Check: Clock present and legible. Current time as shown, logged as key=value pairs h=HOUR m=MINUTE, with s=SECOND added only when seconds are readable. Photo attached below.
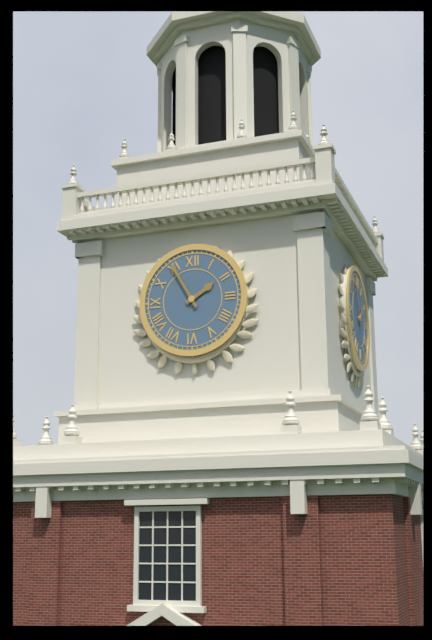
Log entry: h=1 m=55
